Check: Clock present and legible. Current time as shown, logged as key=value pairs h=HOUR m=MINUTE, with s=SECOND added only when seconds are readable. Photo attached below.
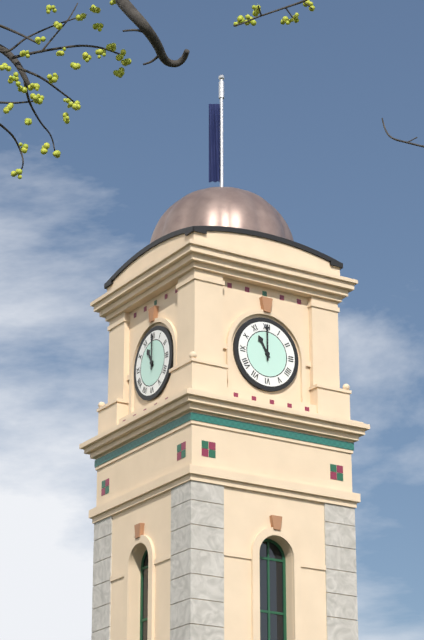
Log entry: h=11 m=0
